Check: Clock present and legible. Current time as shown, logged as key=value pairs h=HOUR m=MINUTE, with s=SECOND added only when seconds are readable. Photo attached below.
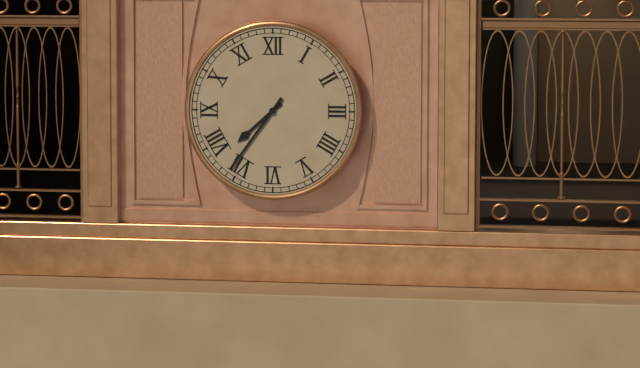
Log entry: h=7 m=36
